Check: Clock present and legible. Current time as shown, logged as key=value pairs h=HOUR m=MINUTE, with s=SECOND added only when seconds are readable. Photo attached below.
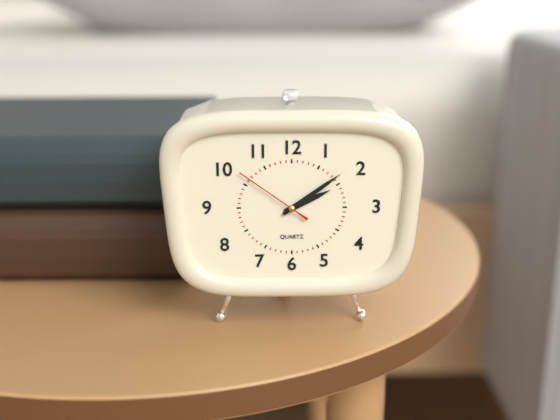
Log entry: h=2 m=9 s=51
